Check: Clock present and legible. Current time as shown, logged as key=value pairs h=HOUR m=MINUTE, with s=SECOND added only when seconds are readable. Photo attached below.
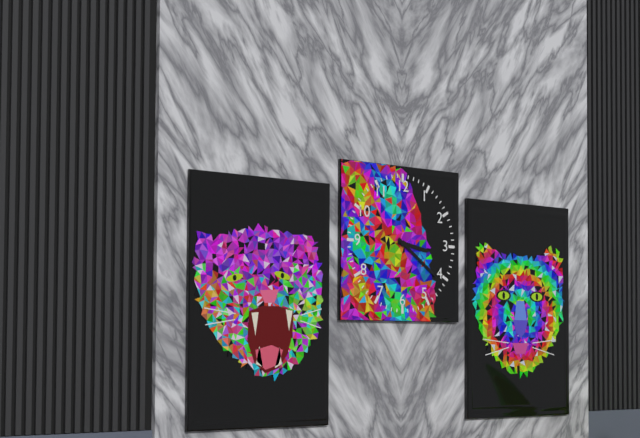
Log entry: h=3 m=21
